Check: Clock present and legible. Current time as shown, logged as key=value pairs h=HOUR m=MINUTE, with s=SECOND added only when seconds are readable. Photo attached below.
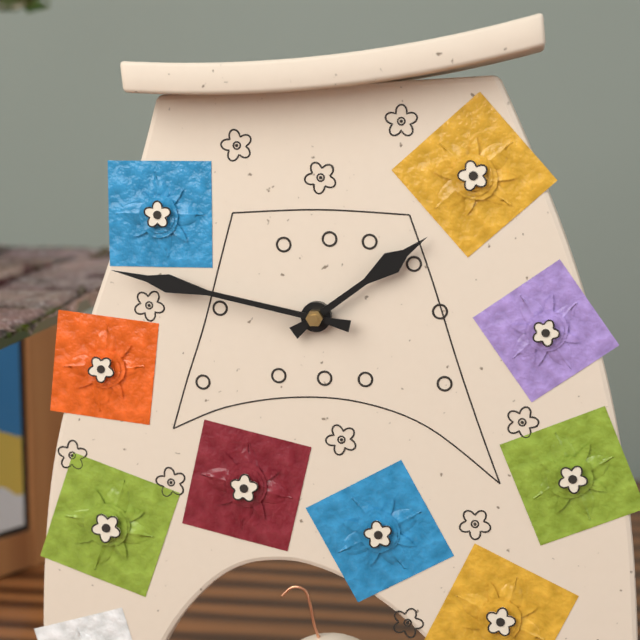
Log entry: h=1 m=47
